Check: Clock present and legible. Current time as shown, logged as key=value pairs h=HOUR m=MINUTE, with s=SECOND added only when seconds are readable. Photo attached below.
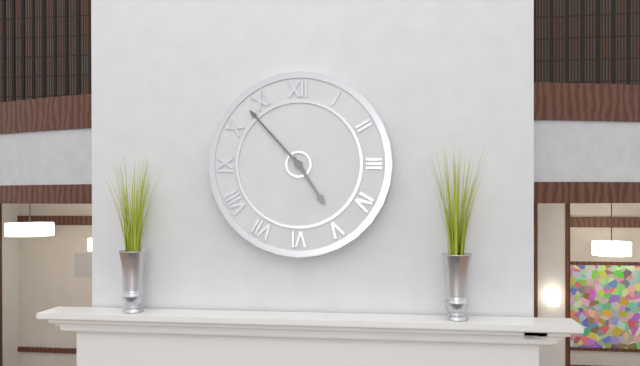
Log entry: h=4 m=53
